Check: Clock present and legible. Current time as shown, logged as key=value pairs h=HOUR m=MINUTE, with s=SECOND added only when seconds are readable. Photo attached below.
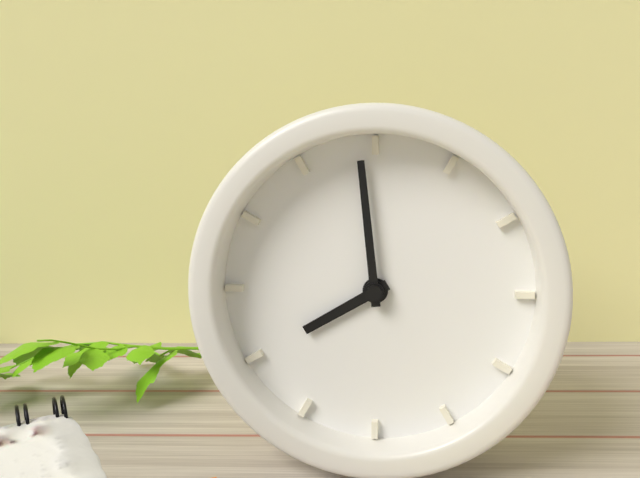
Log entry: h=7 m=59
